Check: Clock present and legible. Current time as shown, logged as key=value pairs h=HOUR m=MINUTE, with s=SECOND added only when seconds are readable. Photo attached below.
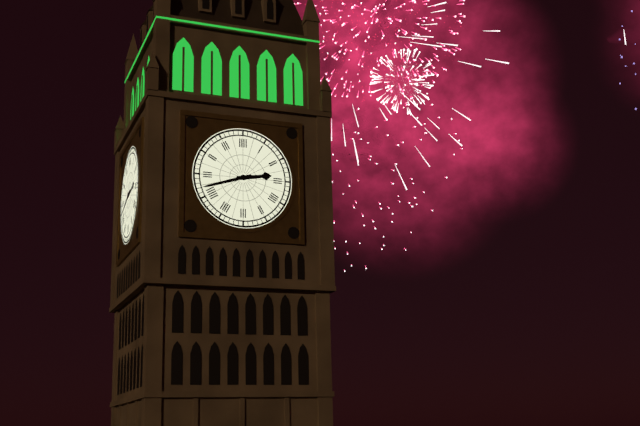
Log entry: h=2 m=42
